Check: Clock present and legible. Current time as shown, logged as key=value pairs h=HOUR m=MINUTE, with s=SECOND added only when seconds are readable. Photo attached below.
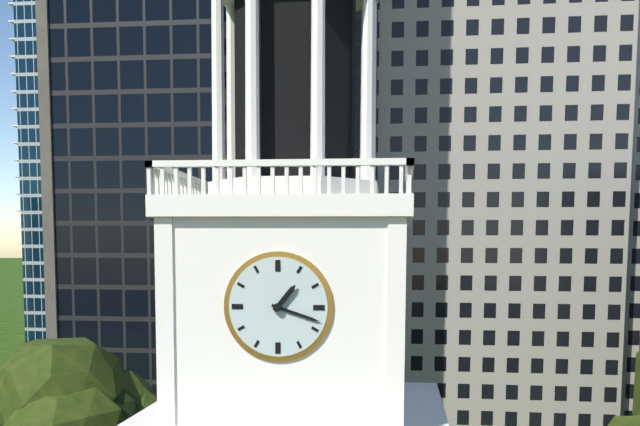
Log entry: h=1 m=18
